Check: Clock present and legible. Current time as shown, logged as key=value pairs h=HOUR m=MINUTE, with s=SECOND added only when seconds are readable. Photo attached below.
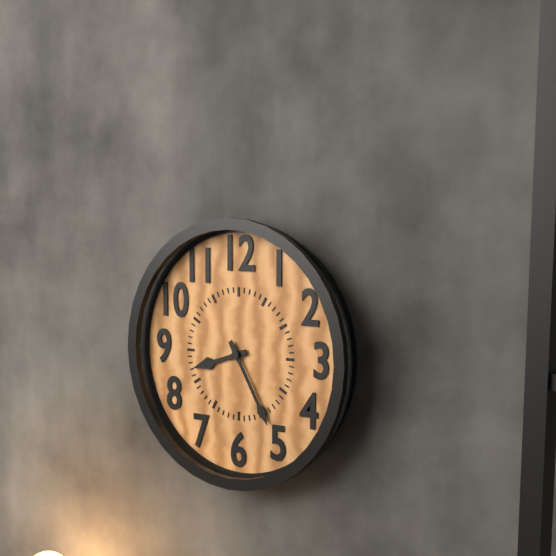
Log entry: h=8 m=25
